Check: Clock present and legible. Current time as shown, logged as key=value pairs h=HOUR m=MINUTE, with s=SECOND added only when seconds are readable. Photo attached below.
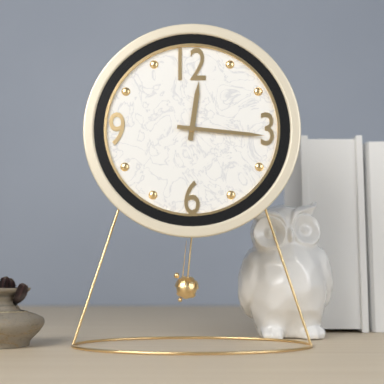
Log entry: h=12 m=16
